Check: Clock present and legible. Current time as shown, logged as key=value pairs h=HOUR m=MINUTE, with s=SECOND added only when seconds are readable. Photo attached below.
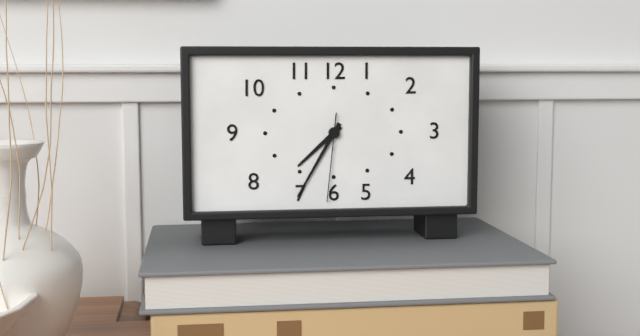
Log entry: h=7 m=35 s=31
